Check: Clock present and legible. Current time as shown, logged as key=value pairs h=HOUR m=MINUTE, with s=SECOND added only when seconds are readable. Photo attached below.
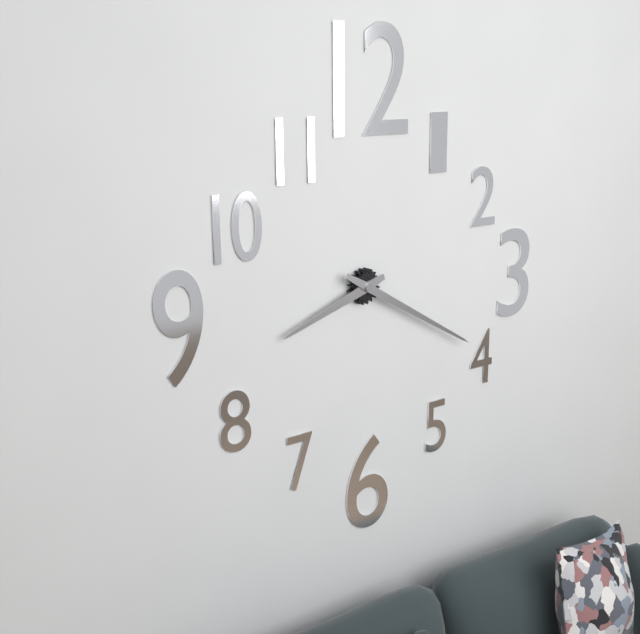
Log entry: h=8 m=20
